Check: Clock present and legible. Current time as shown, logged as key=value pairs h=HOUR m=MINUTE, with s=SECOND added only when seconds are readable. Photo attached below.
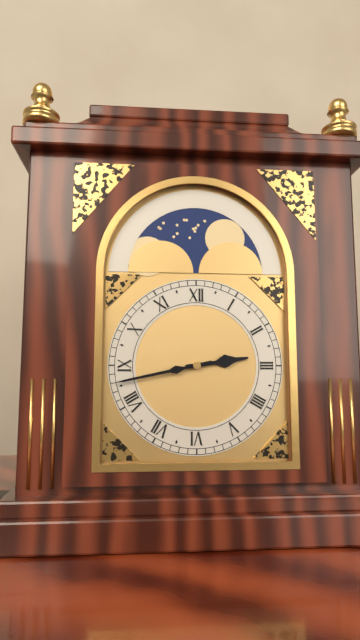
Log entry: h=2 m=43
